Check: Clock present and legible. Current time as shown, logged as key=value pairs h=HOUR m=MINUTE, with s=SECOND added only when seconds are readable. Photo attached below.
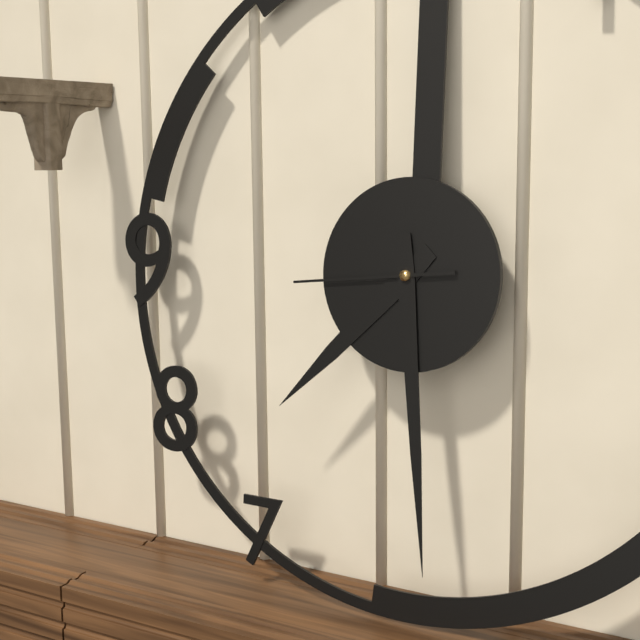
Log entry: h=7 m=29 s=44
